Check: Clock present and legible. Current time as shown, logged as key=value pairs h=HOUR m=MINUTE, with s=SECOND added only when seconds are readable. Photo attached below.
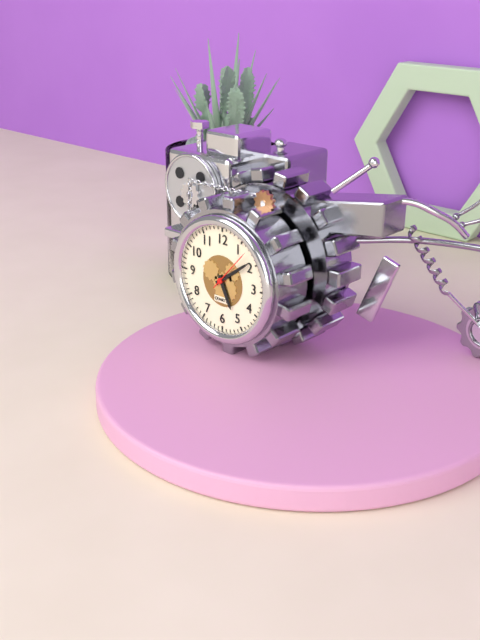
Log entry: h=5 m=9
